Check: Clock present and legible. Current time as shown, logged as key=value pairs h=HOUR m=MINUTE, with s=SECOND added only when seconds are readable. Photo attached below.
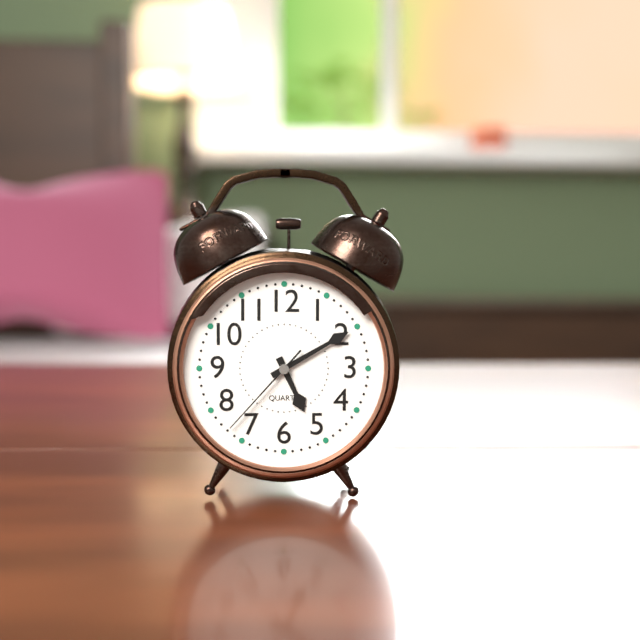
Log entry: h=5 m=10 s=37
